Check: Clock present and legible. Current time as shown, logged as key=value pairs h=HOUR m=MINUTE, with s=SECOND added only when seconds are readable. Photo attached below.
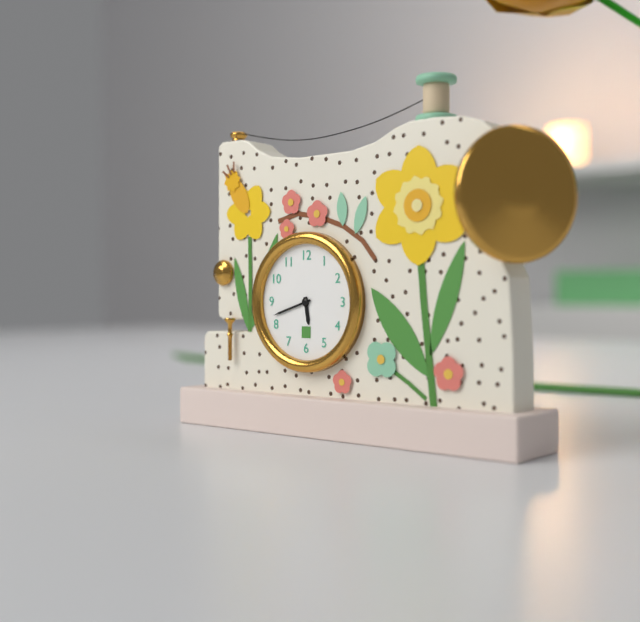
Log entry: h=5 m=42
